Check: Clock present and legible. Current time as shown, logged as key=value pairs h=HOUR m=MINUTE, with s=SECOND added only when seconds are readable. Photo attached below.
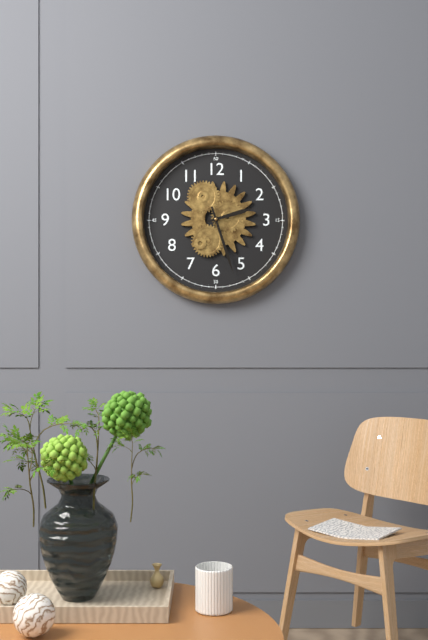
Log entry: h=2 m=27
